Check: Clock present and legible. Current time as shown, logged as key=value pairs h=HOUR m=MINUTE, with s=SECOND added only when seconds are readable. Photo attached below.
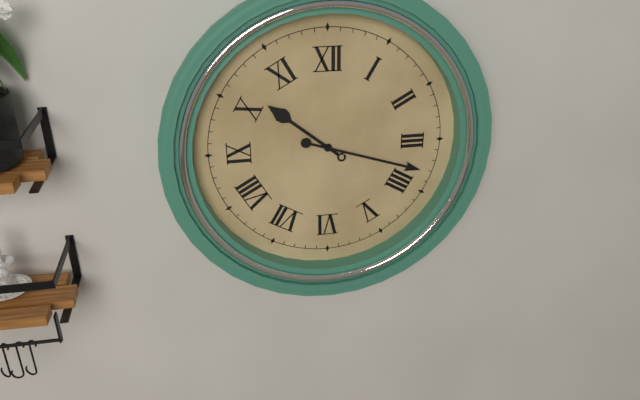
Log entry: h=10 m=18
